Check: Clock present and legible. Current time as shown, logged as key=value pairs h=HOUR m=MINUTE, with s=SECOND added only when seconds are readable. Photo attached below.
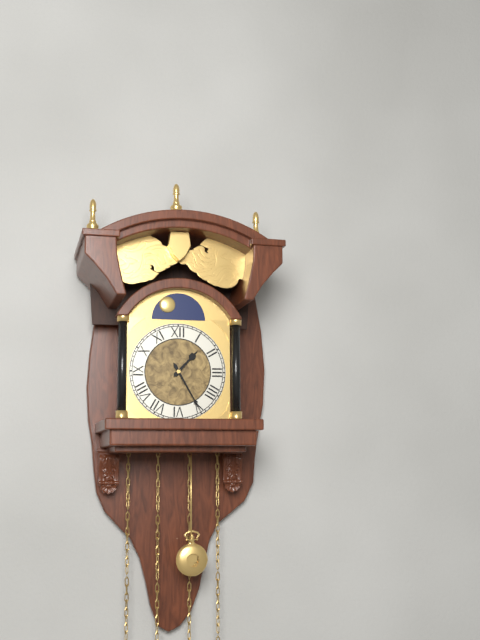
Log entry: h=1 m=25
